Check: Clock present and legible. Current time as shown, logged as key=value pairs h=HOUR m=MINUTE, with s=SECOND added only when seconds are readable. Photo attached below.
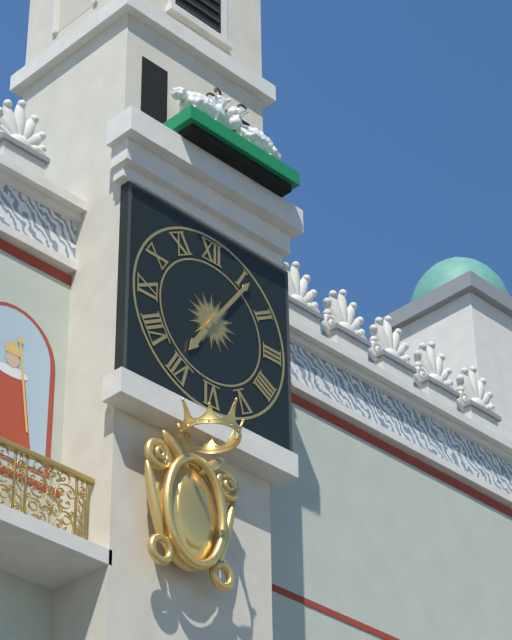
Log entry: h=7 m=6
